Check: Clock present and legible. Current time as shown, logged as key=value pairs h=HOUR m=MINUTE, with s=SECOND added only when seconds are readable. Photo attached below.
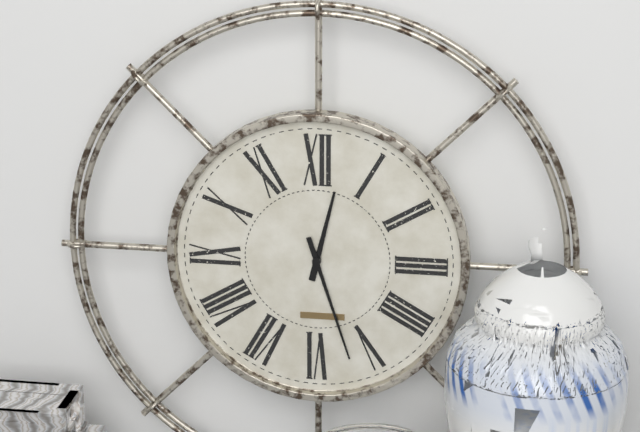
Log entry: h=12 m=27
